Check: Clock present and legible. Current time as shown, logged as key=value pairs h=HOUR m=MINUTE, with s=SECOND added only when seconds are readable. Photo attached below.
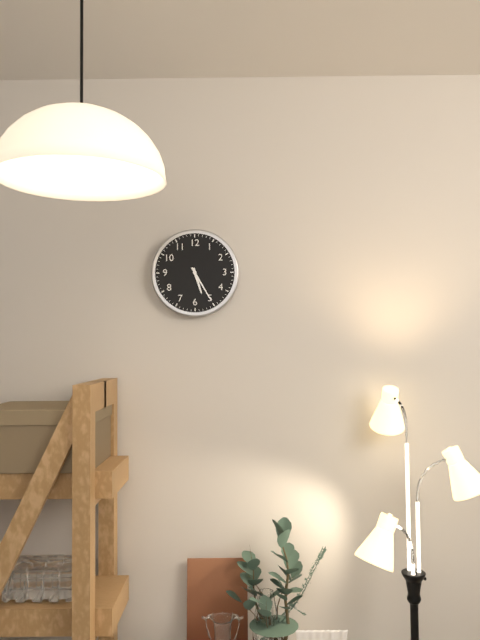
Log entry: h=5 m=25
